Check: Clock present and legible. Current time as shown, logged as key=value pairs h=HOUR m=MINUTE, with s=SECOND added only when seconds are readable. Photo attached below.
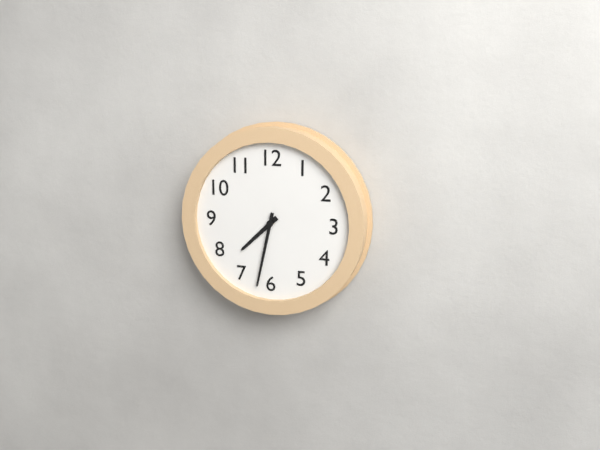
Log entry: h=7 m=32
